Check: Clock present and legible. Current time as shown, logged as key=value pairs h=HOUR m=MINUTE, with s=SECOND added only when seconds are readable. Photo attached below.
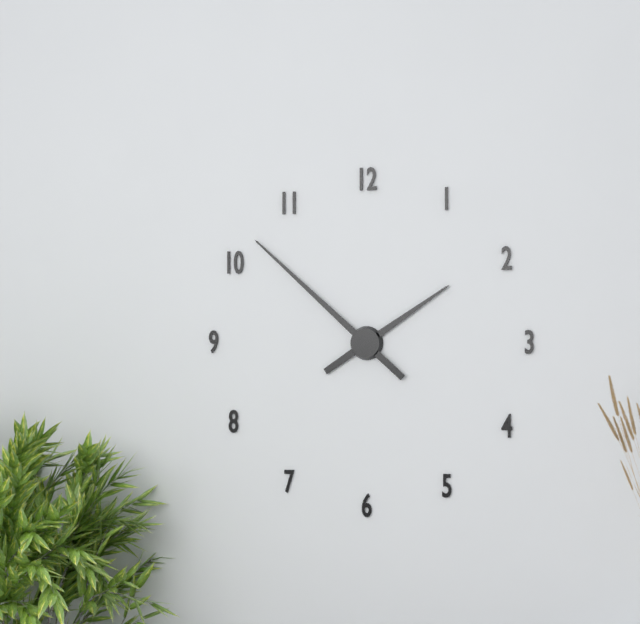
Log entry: h=1 m=52
